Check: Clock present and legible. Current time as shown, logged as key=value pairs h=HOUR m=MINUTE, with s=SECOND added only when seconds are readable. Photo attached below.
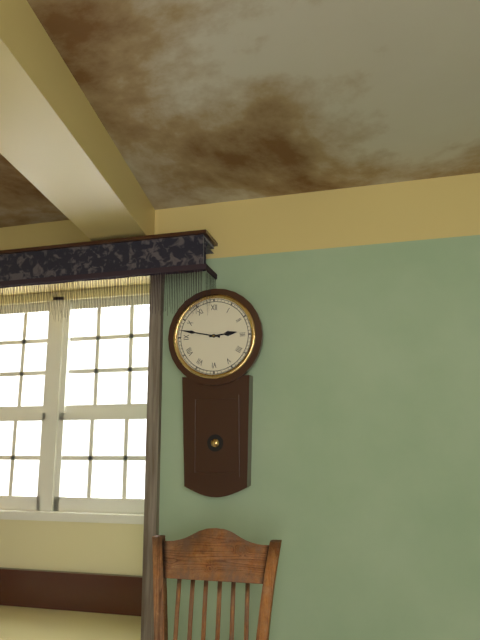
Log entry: h=2 m=47
